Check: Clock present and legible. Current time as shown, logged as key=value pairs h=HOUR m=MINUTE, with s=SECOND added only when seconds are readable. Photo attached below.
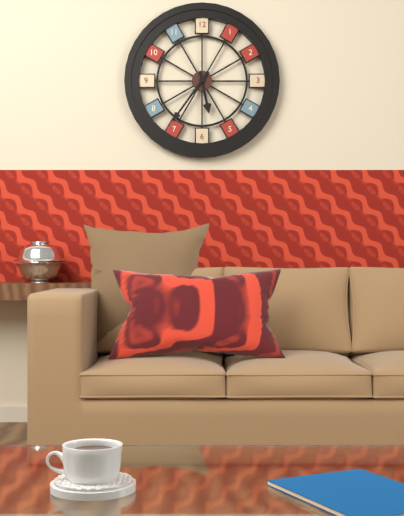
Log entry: h=5 m=36
